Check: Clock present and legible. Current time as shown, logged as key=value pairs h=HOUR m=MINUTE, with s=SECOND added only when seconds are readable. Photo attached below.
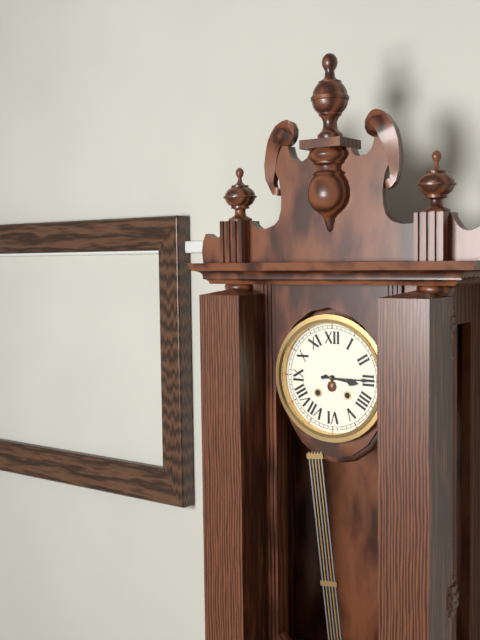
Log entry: h=3 m=15
